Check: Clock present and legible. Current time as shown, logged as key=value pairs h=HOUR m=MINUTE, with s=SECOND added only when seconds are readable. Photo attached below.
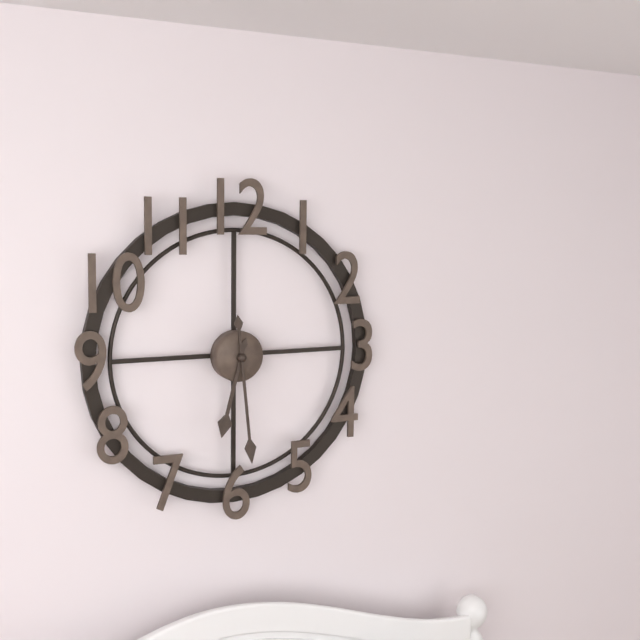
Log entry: h=6 m=29
